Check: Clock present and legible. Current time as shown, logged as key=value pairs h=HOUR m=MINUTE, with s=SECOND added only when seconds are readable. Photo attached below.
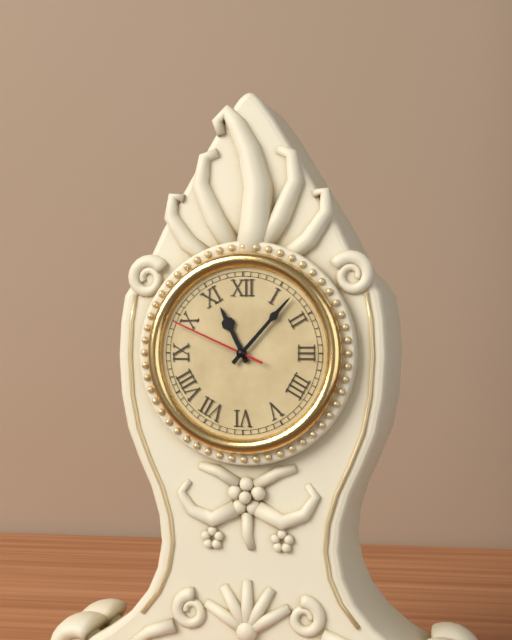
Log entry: h=11 m=7 s=49
